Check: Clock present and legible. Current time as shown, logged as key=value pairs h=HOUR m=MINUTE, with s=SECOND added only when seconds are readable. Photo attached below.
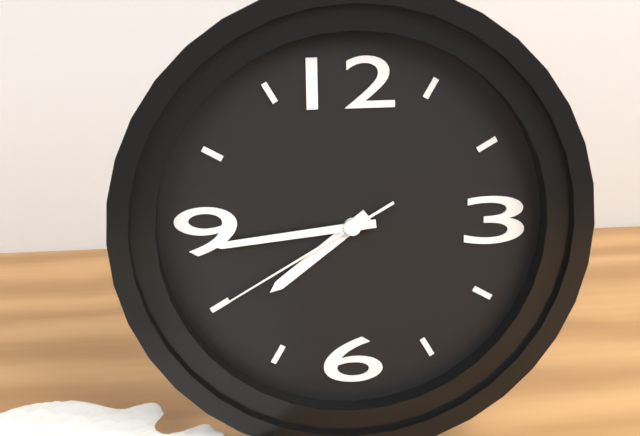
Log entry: h=7 m=44 s=40
